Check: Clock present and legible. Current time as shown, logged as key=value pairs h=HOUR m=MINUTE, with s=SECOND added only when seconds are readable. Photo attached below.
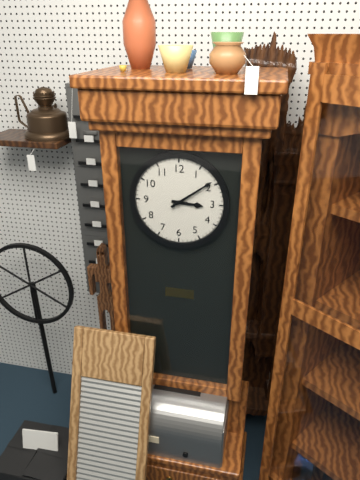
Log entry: h=3 m=9
